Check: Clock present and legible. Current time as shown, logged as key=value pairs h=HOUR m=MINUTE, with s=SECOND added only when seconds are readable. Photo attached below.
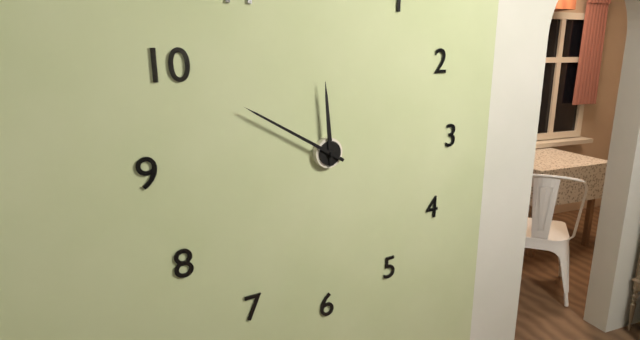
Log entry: h=11 m=50
